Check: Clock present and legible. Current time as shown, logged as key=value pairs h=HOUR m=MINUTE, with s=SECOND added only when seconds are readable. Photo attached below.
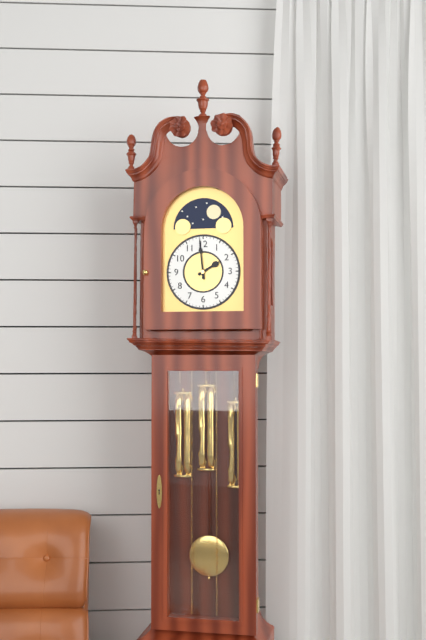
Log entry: h=1 m=59
